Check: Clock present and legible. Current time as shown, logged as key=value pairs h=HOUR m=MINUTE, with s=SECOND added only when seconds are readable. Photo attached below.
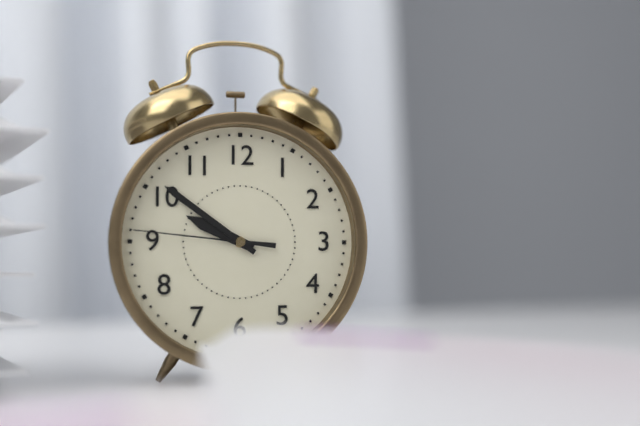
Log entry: h=9 m=51 s=46
